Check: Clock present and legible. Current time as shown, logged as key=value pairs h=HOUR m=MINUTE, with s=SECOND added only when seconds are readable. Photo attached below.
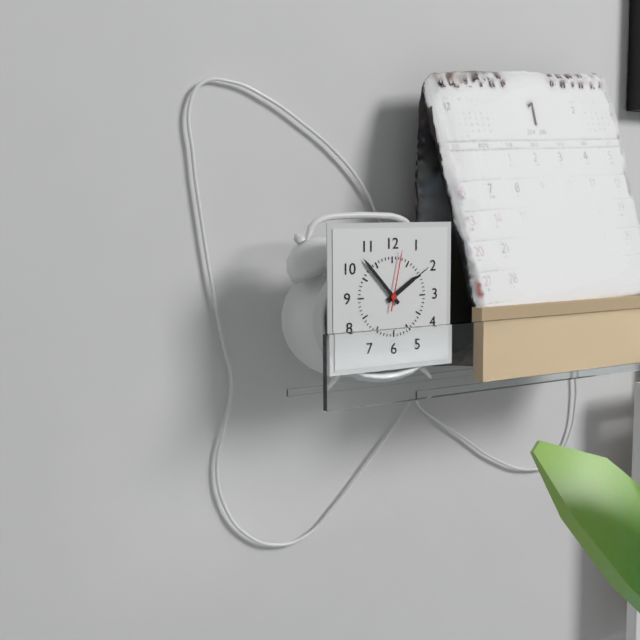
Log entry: h=1 m=53 s=2
